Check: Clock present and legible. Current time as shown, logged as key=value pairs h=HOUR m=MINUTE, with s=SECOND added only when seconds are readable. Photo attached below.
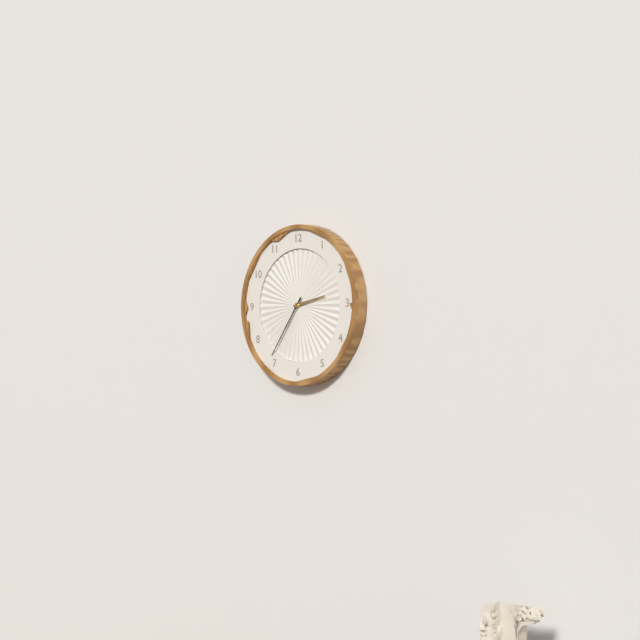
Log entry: h=2 m=36
